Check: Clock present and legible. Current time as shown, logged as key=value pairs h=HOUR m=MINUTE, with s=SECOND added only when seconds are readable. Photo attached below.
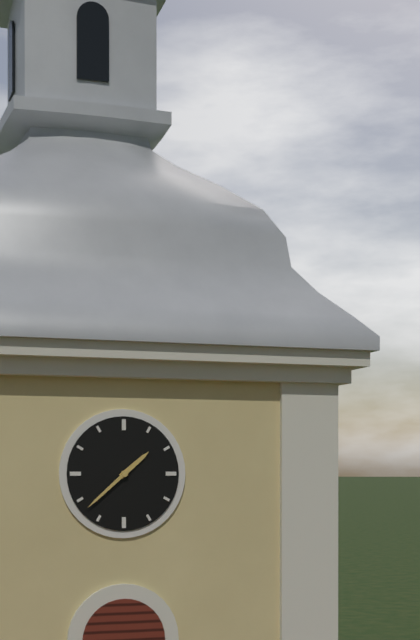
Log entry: h=1 m=38
